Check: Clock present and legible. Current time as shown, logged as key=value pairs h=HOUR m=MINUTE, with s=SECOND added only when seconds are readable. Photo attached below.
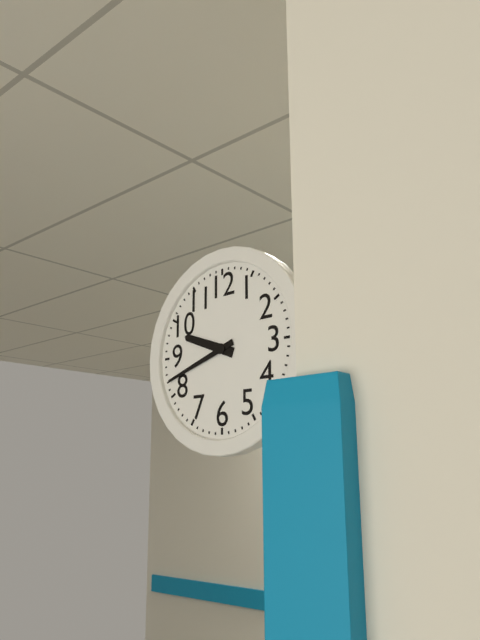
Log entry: h=9 m=42
